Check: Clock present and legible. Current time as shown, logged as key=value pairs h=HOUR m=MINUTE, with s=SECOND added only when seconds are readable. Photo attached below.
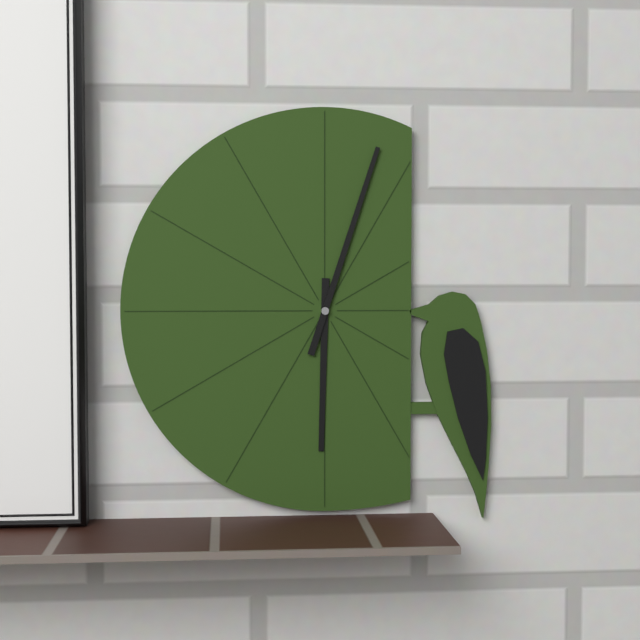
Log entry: h=6 m=3
